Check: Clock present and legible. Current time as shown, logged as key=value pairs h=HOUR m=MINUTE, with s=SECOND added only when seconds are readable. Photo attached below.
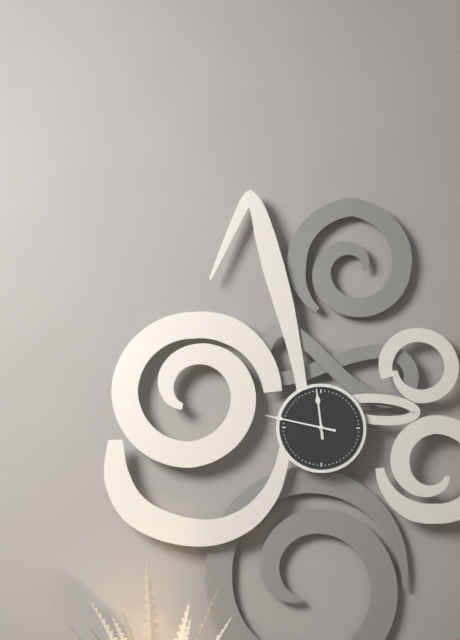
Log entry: h=11 m=47
